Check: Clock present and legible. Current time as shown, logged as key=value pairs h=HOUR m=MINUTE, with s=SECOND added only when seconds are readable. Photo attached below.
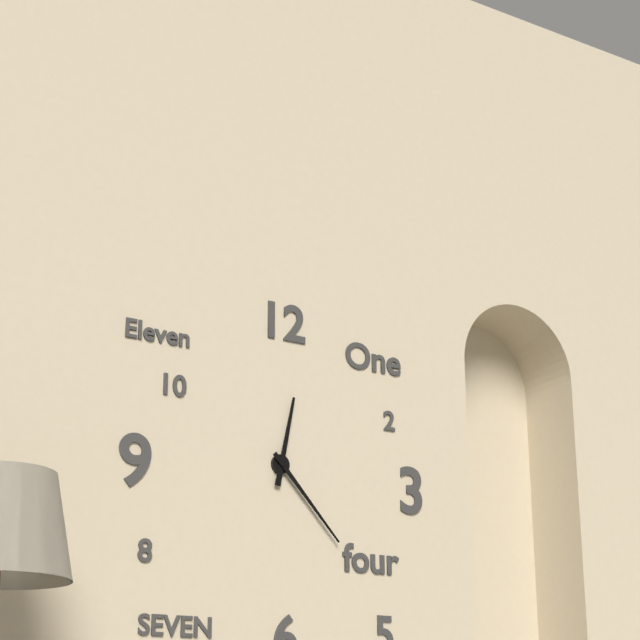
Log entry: h=12 m=23
